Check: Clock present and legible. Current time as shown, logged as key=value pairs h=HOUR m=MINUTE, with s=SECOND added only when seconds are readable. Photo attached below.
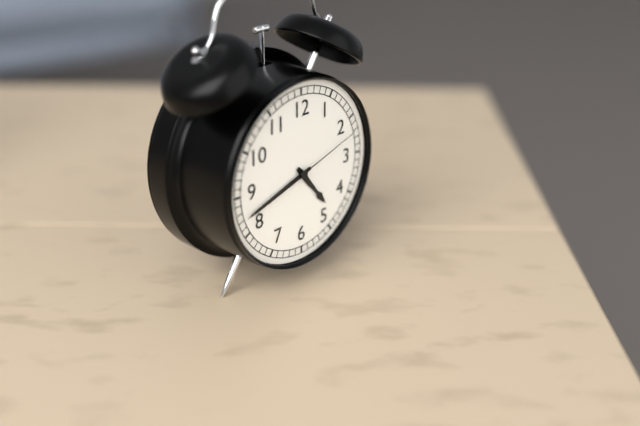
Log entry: h=4 m=42 s=12
